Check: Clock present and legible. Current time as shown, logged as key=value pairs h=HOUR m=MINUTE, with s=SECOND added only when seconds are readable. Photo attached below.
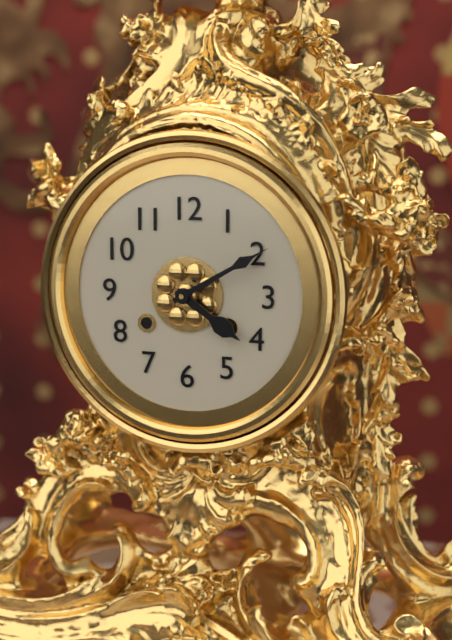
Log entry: h=4 m=10
